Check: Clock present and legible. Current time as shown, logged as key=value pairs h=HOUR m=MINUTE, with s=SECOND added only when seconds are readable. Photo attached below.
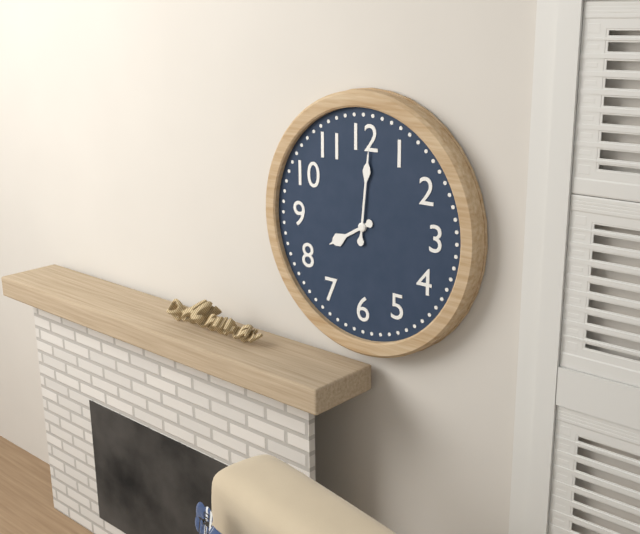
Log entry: h=8 m=1
